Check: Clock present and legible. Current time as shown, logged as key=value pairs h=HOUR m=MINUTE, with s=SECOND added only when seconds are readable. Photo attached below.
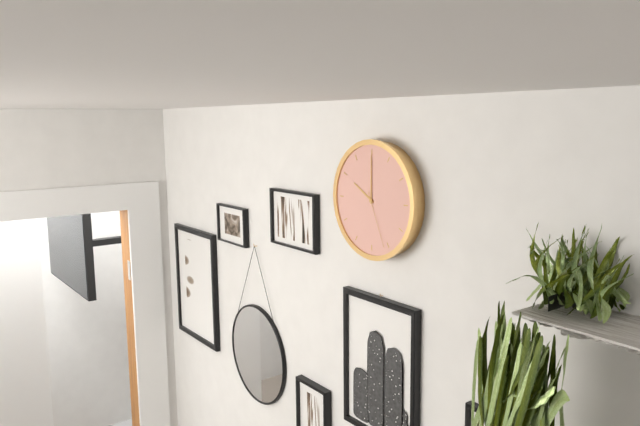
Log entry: h=10 m=0 s=26
